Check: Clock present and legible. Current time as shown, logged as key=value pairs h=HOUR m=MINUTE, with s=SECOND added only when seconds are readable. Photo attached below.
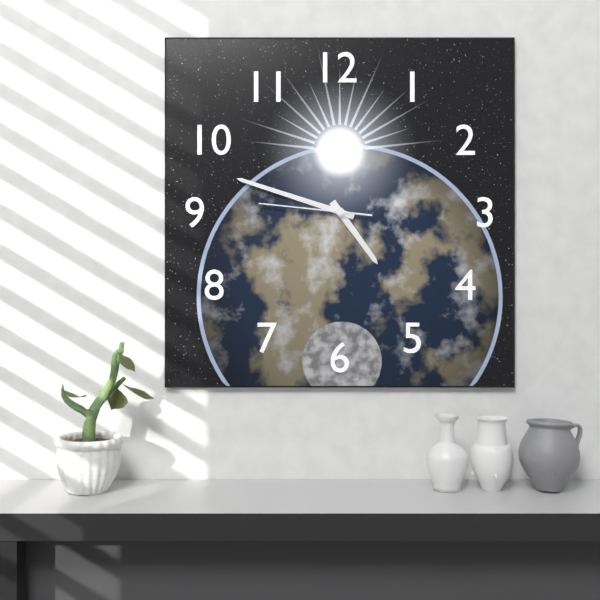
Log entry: h=4 m=48 s=46
